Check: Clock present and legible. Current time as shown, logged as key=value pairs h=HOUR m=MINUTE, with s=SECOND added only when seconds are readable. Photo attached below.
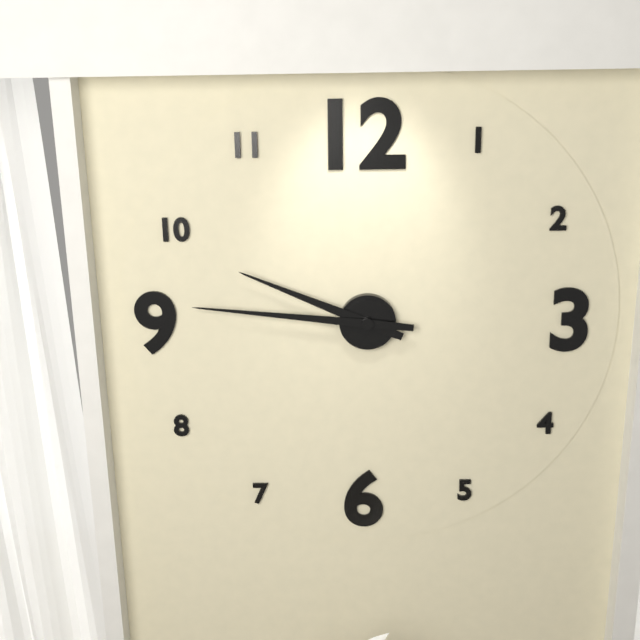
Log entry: h=9 m=46
